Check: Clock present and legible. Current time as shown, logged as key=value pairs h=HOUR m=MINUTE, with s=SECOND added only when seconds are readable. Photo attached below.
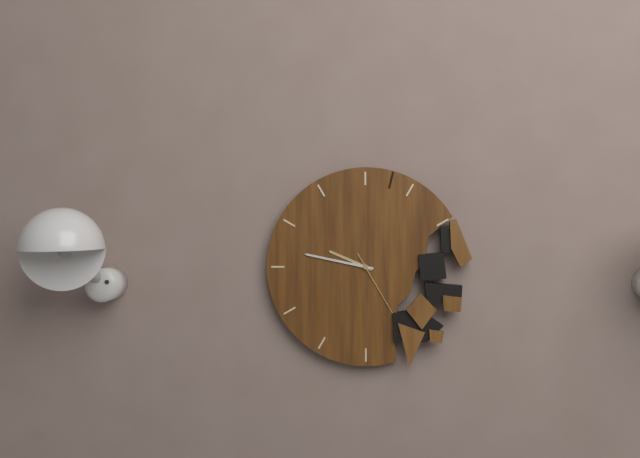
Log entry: h=9 m=47 s=25
